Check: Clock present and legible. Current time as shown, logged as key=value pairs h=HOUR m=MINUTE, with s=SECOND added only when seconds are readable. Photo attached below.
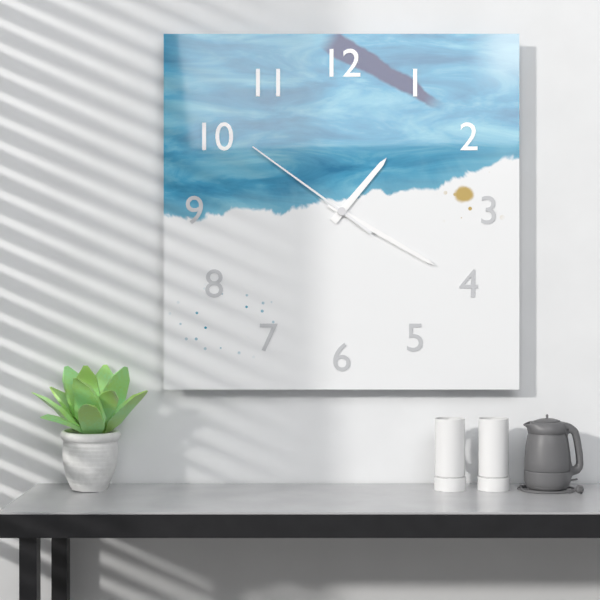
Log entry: h=1 m=20 s=51
